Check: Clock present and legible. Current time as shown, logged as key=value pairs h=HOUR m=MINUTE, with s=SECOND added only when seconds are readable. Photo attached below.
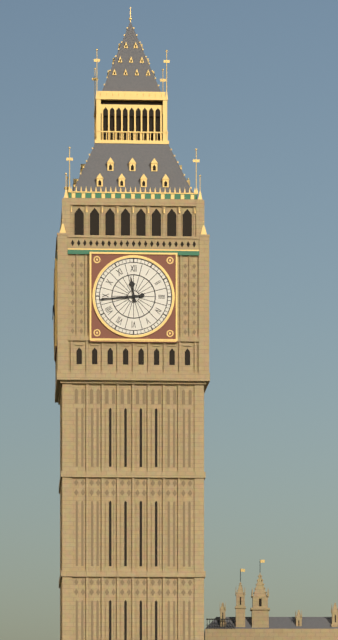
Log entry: h=11 m=44
